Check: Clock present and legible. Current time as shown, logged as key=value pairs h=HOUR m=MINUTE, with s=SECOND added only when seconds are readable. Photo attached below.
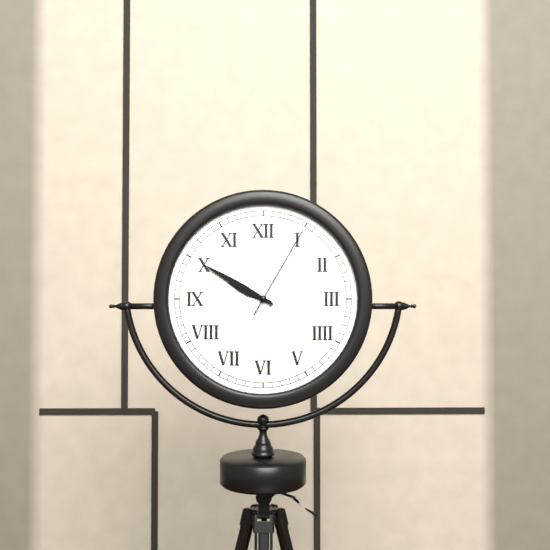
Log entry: h=9 m=50 s=5
